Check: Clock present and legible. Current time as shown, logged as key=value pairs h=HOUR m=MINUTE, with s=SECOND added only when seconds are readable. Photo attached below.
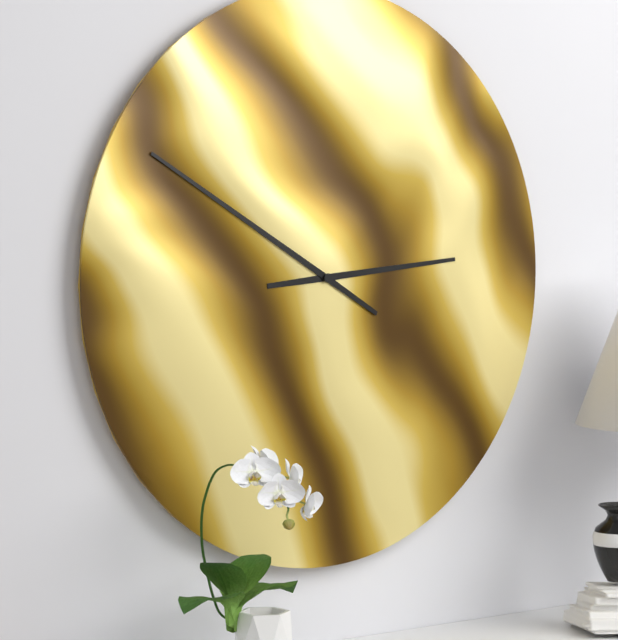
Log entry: h=2 m=50
